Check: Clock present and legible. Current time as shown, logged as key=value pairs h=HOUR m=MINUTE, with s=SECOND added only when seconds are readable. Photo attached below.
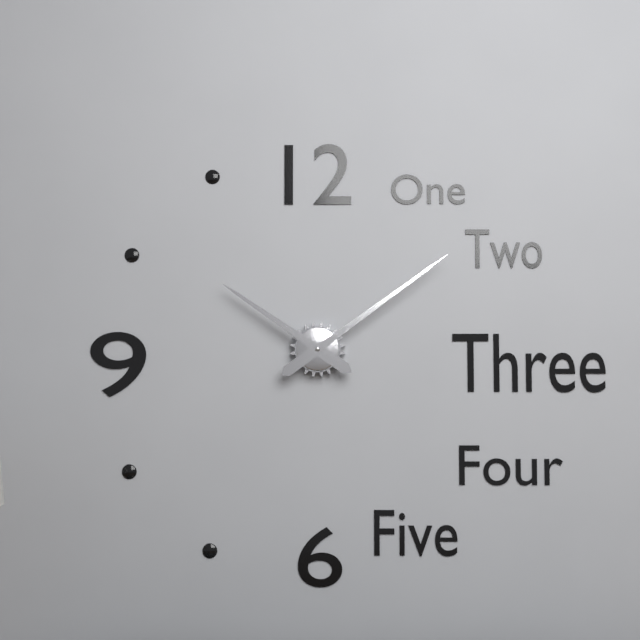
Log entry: h=10 m=9
